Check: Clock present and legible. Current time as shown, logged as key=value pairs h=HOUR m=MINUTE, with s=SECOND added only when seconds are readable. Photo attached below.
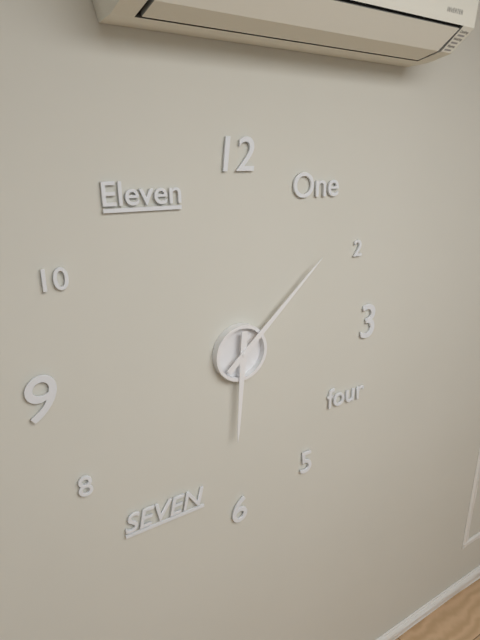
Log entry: h=6 m=8
